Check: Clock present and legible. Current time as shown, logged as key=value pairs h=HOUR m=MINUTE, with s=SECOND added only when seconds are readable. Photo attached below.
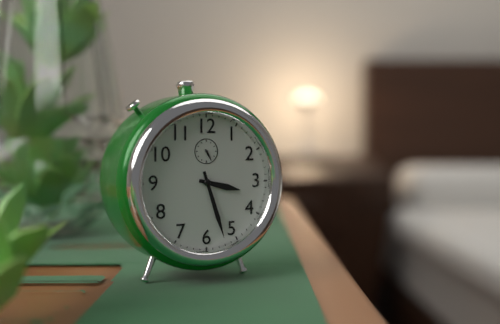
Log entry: h=3 m=27
